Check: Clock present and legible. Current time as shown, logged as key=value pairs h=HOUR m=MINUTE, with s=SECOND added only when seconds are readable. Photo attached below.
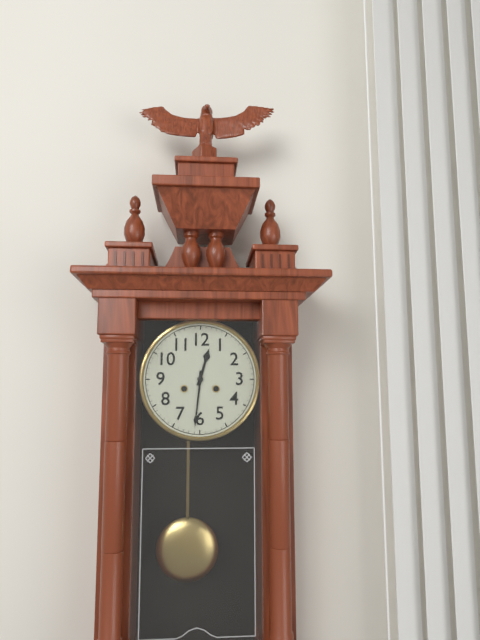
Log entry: h=12 m=31
